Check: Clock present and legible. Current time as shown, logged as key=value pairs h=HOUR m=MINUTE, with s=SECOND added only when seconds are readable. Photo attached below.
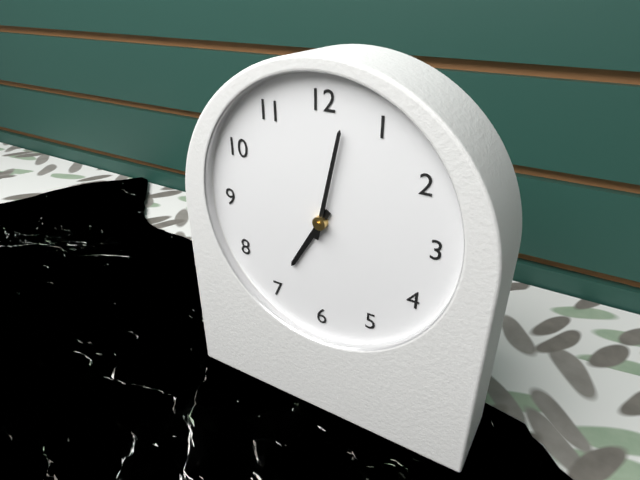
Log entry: h=7 m=2
